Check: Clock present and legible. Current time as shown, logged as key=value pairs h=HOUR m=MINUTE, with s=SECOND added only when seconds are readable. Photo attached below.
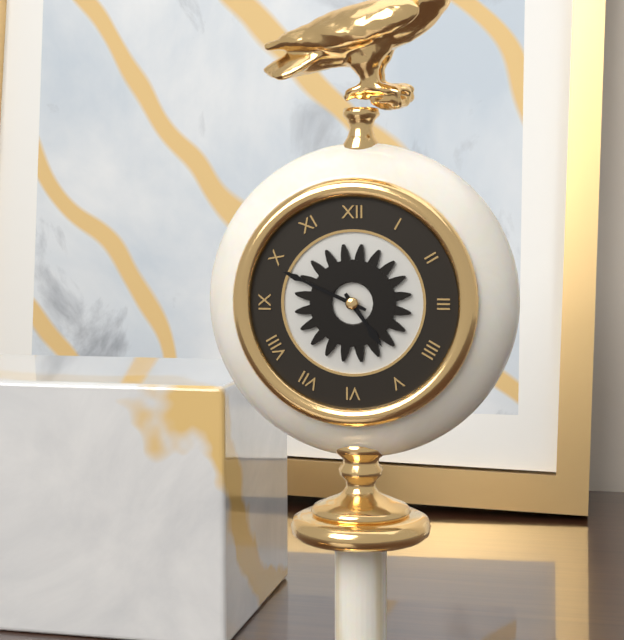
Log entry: h=4 m=49
